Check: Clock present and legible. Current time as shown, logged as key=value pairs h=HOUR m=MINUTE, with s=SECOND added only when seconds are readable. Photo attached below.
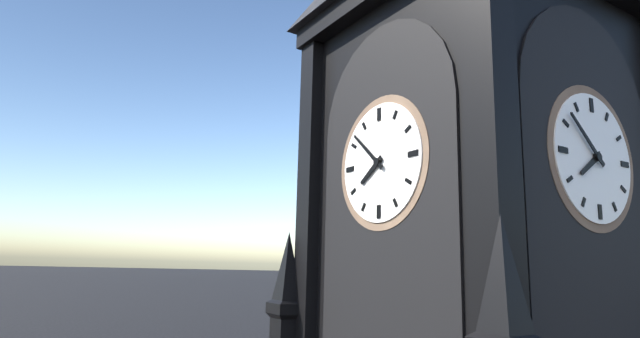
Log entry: h=7 m=52
